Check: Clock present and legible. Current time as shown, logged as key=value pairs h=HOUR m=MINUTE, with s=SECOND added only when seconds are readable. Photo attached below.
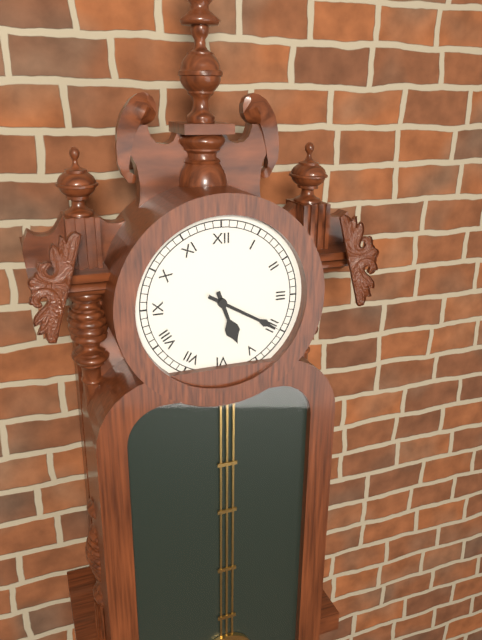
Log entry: h=5 m=20
